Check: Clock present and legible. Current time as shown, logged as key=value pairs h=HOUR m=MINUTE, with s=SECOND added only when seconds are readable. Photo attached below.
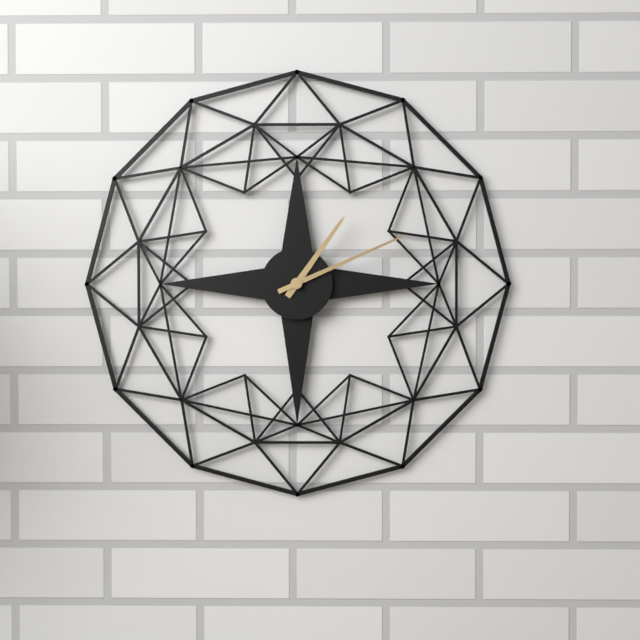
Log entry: h=1 m=11
